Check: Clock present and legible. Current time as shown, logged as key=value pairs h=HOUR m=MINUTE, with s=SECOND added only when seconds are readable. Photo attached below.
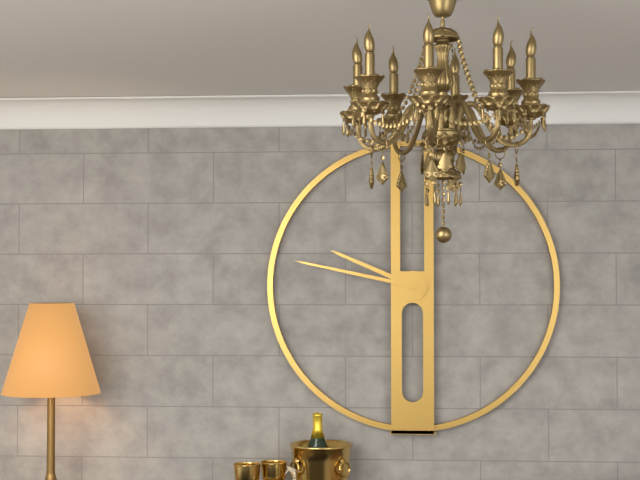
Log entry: h=9 m=47
